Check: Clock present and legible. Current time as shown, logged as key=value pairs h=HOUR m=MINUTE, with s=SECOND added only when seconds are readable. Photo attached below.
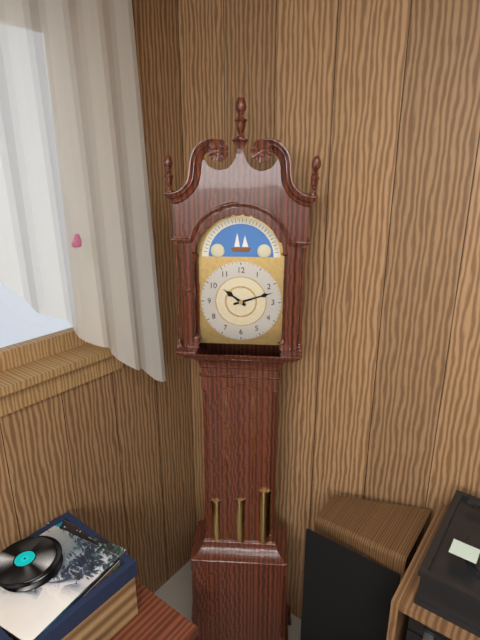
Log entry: h=10 m=12
